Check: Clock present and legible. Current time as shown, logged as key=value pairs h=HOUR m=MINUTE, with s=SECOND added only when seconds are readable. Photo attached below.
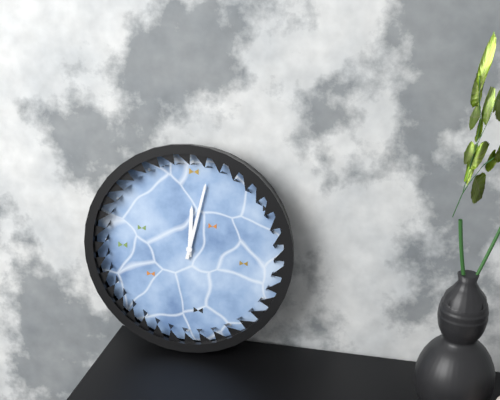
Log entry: h=12 m=2
